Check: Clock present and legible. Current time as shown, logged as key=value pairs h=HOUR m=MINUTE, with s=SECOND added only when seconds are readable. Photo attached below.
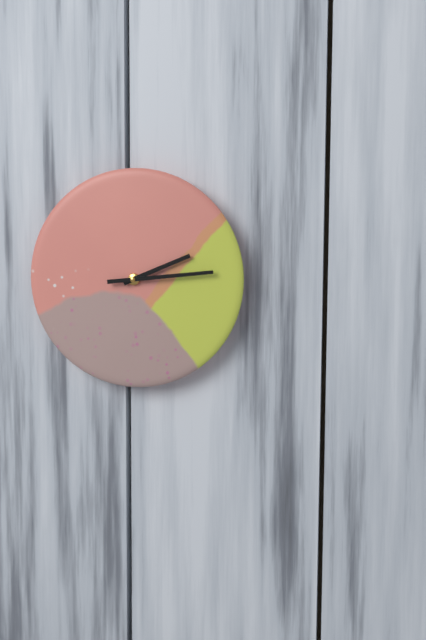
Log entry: h=2 m=14
